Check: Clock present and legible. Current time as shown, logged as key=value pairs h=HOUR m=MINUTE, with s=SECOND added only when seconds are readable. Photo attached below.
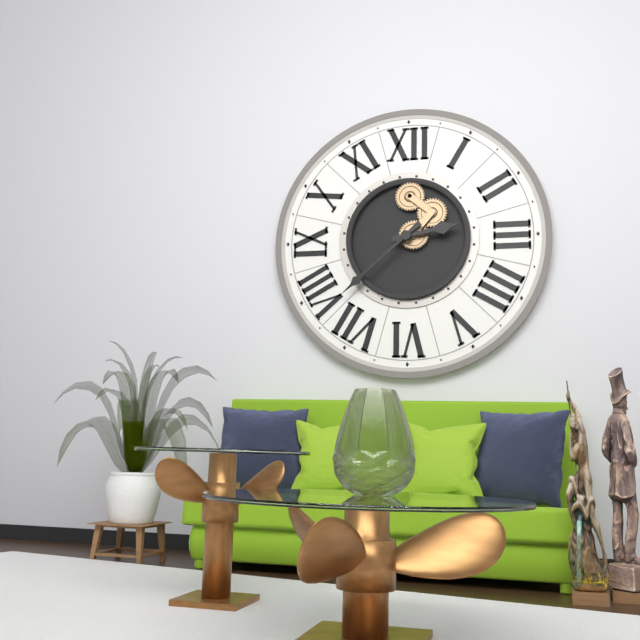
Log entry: h=2 m=38
